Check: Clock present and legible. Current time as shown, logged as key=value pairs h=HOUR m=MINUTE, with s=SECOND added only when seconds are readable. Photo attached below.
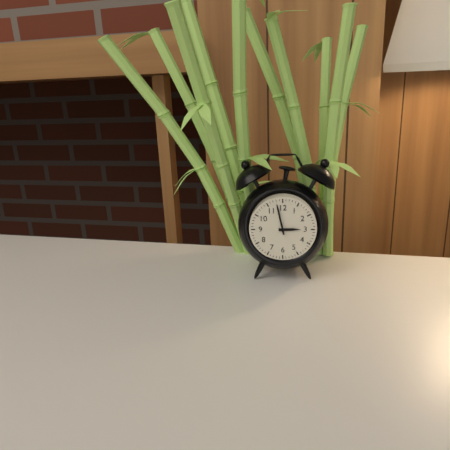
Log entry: h=2 m=58
